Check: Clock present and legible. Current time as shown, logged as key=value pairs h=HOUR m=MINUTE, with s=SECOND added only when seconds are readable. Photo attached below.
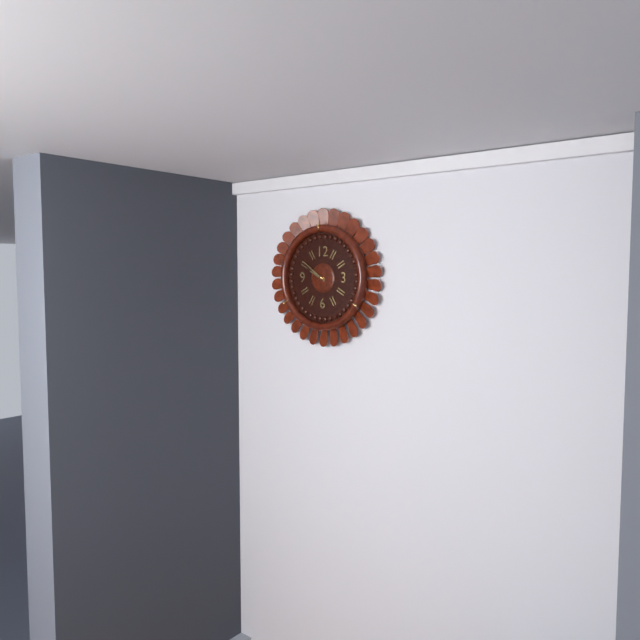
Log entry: h=9 m=51
